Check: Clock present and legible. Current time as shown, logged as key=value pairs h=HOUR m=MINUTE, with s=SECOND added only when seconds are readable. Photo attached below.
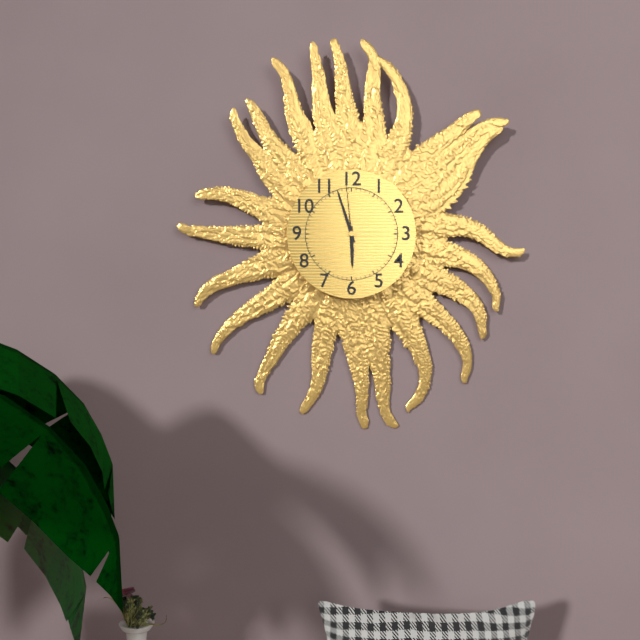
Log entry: h=5 m=57 s=59
